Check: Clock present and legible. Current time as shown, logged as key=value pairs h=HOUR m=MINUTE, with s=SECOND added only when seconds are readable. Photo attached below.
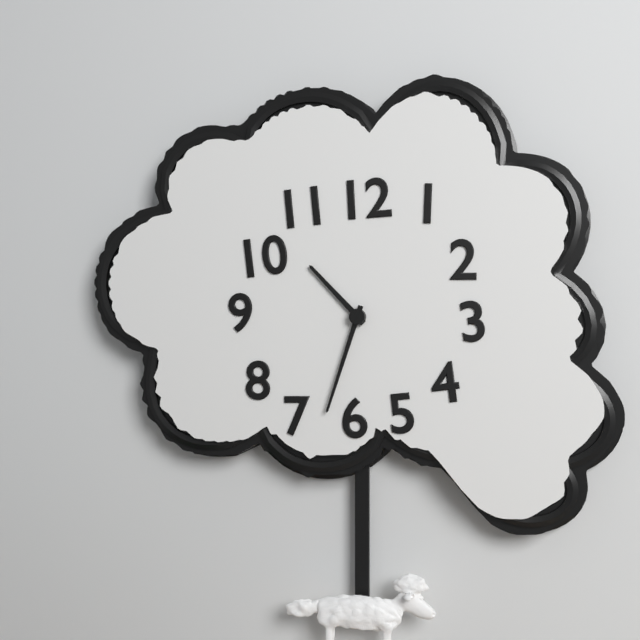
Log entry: h=10 m=33
